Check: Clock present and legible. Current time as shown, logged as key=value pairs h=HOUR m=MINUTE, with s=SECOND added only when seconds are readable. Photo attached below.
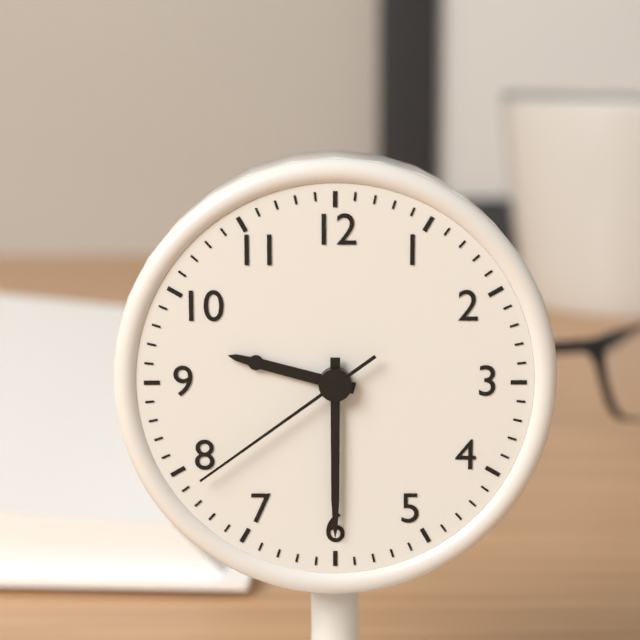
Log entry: h=9 m=30 s=39
